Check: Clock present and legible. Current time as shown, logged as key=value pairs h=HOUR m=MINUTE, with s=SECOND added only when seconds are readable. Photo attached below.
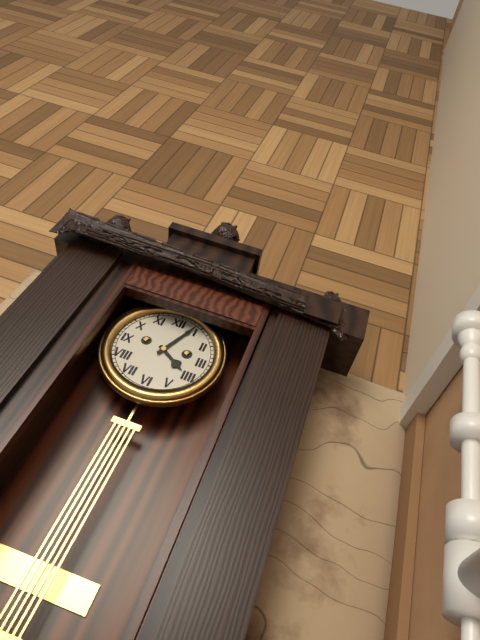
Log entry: h=4 m=4
